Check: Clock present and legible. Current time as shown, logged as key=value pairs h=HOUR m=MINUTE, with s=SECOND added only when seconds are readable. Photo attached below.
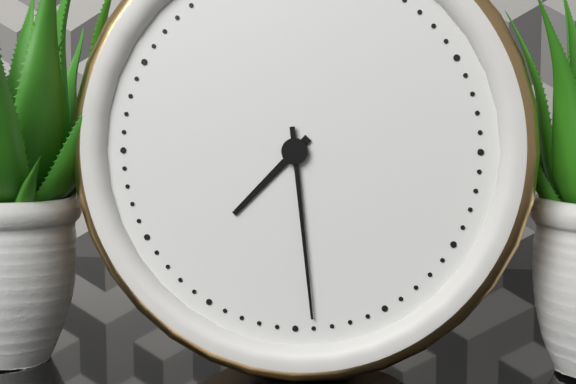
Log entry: h=7 m=29
